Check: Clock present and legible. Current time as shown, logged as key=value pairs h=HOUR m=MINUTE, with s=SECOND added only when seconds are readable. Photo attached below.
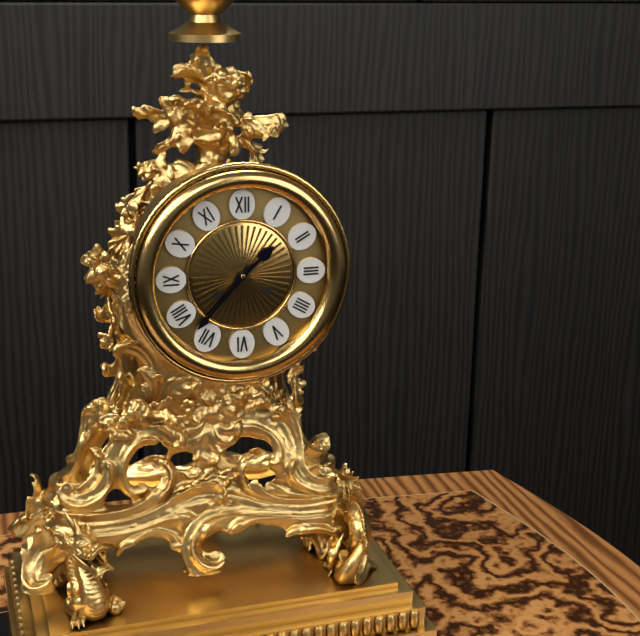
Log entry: h=1 m=37
